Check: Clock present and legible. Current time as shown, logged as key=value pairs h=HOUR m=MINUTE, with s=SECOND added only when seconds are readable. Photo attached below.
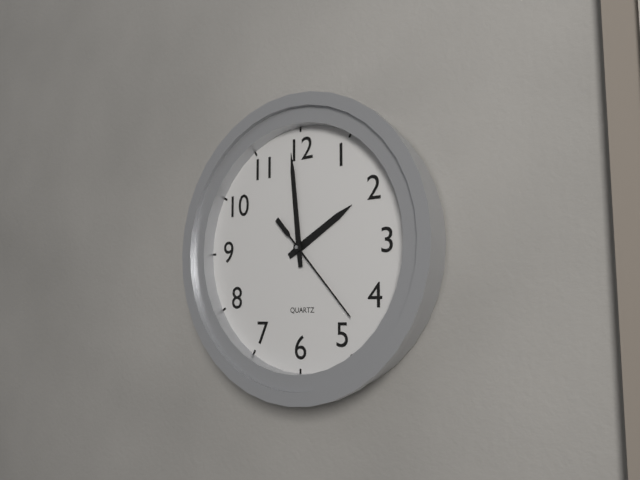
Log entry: h=1 m=59 s=23
